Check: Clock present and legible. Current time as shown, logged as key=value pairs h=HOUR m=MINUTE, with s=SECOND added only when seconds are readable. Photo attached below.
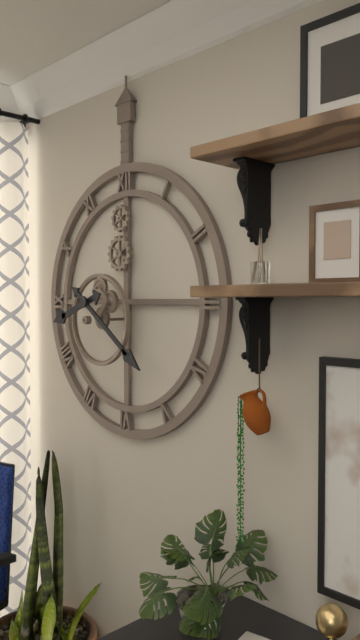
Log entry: h=8 m=21
